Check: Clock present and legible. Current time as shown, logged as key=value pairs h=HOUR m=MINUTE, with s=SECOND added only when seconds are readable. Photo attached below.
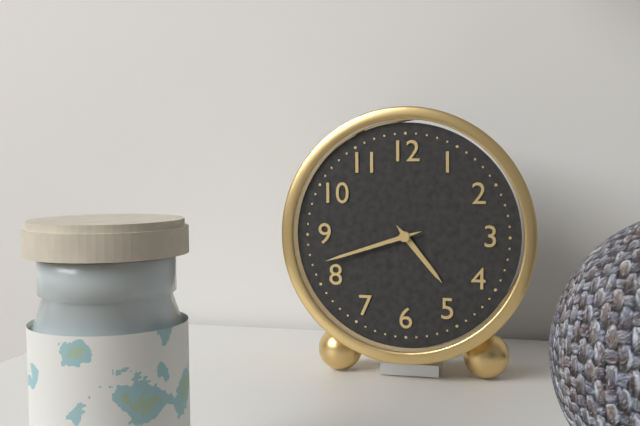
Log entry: h=4 m=42
